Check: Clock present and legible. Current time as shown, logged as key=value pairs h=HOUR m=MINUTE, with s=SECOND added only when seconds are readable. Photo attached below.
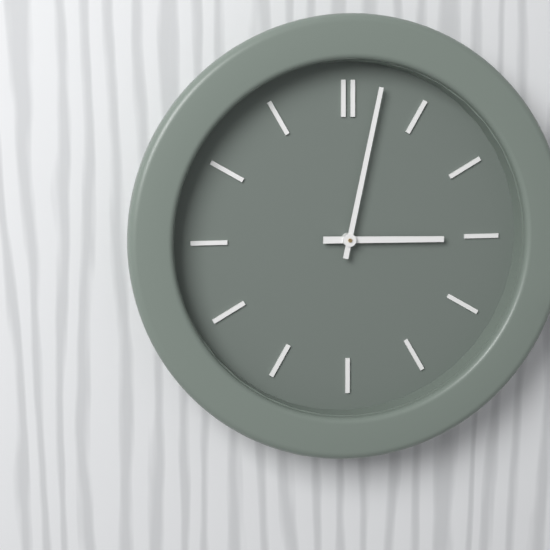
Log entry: h=3 m=2
